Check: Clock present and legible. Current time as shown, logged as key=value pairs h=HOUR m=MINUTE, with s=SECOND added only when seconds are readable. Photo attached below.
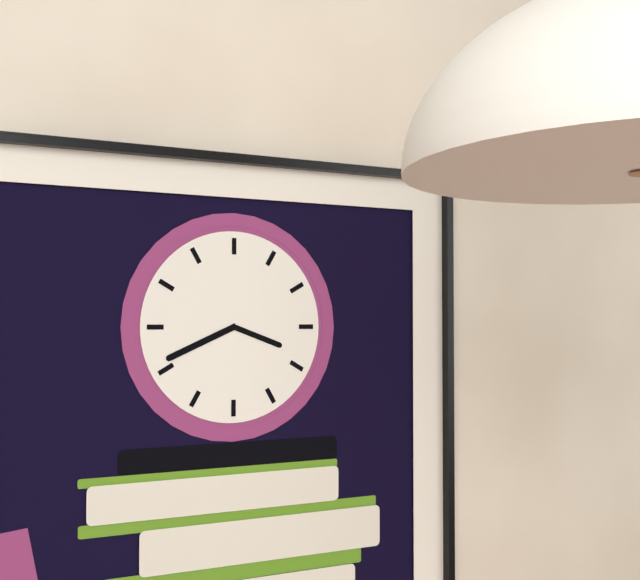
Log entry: h=3 m=41
